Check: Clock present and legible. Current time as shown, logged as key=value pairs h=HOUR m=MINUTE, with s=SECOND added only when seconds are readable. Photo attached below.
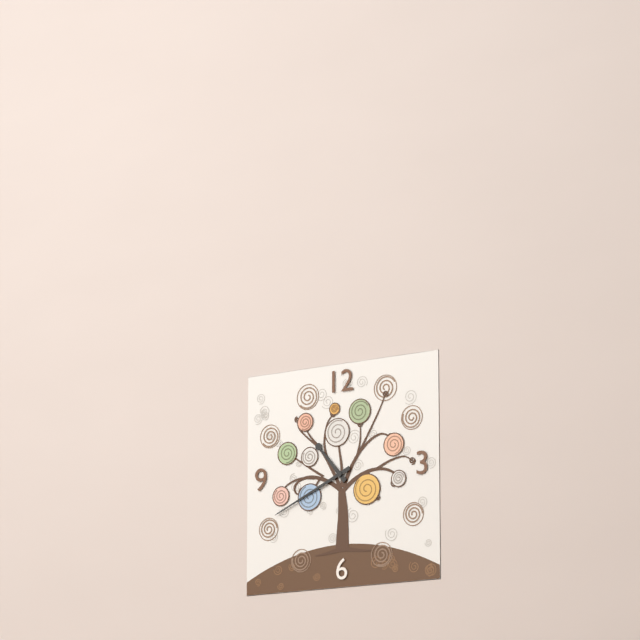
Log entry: h=10 m=41
